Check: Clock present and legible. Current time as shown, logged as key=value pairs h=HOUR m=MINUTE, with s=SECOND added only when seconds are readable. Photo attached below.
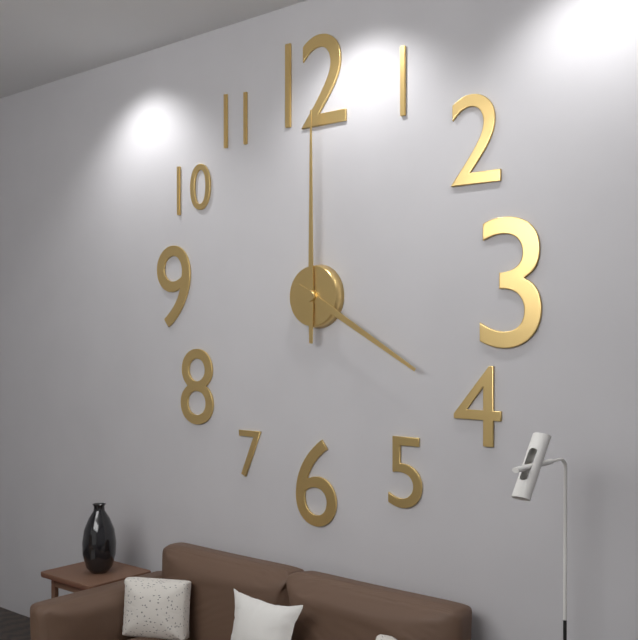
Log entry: h=4 m=0
